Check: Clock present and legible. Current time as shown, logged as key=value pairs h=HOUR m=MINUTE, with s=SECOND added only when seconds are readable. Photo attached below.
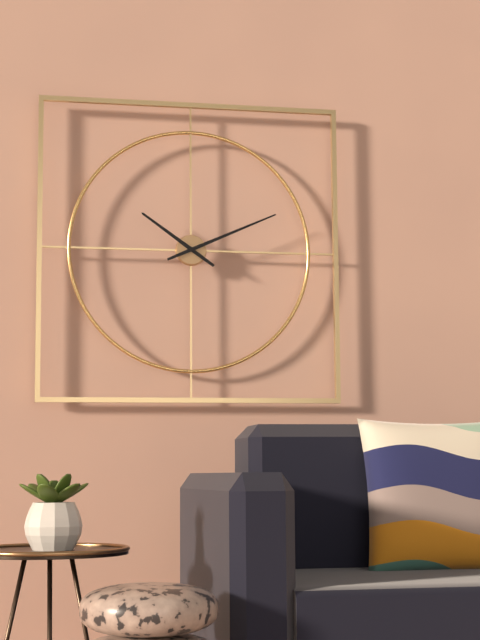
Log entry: h=10 m=11
